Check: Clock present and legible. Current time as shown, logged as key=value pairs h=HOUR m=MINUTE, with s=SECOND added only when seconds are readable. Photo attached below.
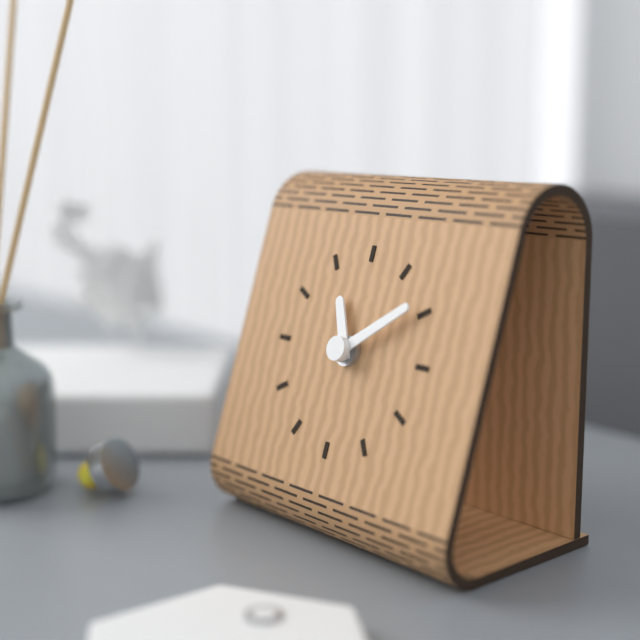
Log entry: h=11 m=9
